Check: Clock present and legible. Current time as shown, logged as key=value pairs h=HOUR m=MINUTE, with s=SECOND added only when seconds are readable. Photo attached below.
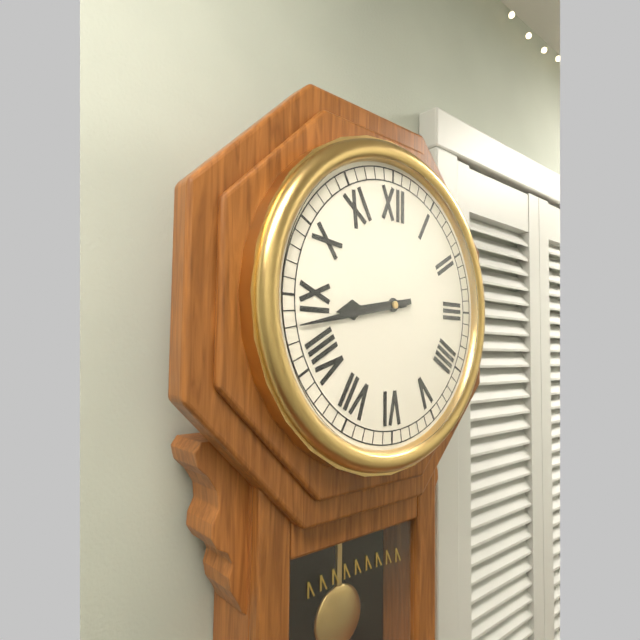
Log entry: h=8 m=43
